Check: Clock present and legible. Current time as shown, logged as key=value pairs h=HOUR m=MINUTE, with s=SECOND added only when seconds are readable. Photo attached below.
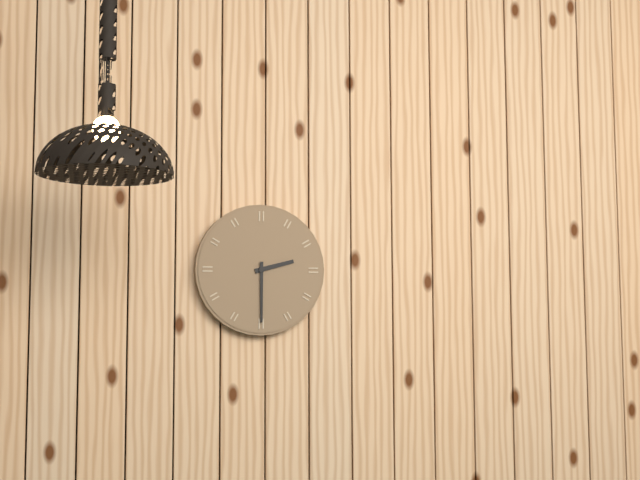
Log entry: h=2 m=30
